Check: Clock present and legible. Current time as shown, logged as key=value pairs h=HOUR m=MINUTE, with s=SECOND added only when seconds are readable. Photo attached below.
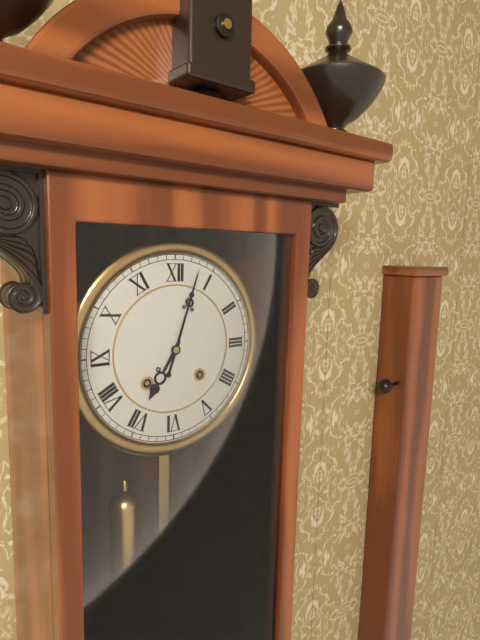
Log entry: h=7 m=3
